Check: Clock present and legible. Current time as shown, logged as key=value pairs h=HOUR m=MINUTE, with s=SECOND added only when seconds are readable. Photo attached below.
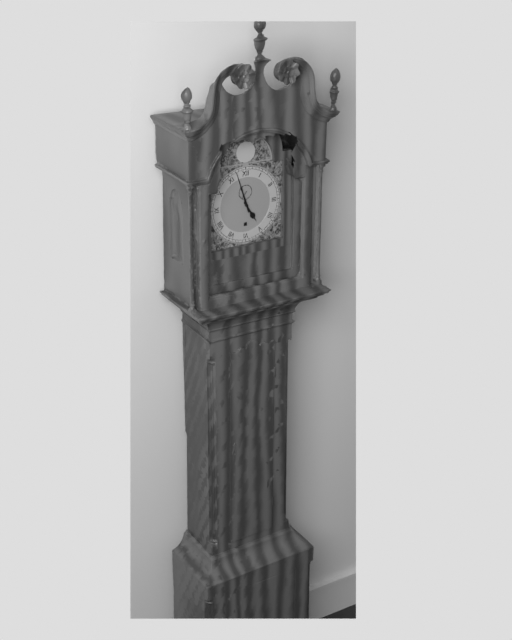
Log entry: h=4 m=57
